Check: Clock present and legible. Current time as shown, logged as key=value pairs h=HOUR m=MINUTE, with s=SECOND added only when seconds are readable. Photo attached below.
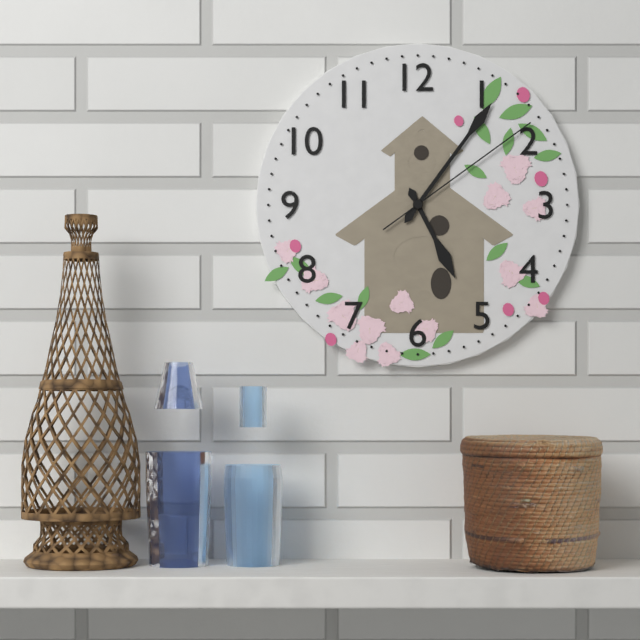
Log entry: h=5 m=6 s=9
